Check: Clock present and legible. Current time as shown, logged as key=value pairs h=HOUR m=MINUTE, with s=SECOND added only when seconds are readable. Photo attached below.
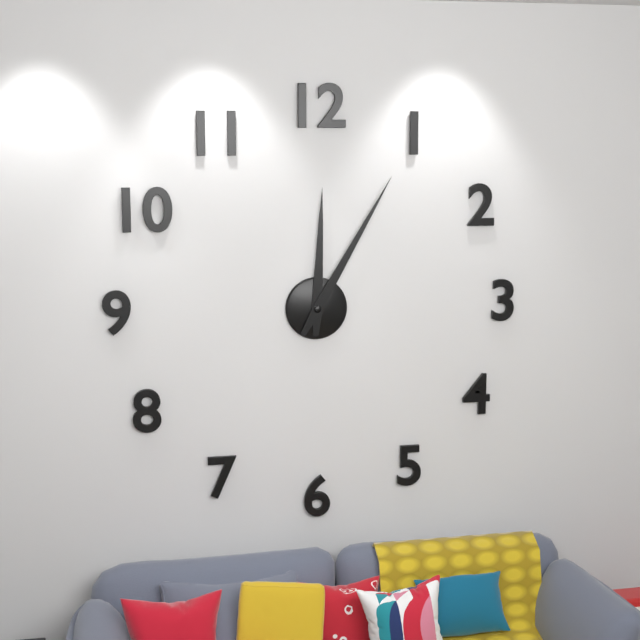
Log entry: h=12 m=5
